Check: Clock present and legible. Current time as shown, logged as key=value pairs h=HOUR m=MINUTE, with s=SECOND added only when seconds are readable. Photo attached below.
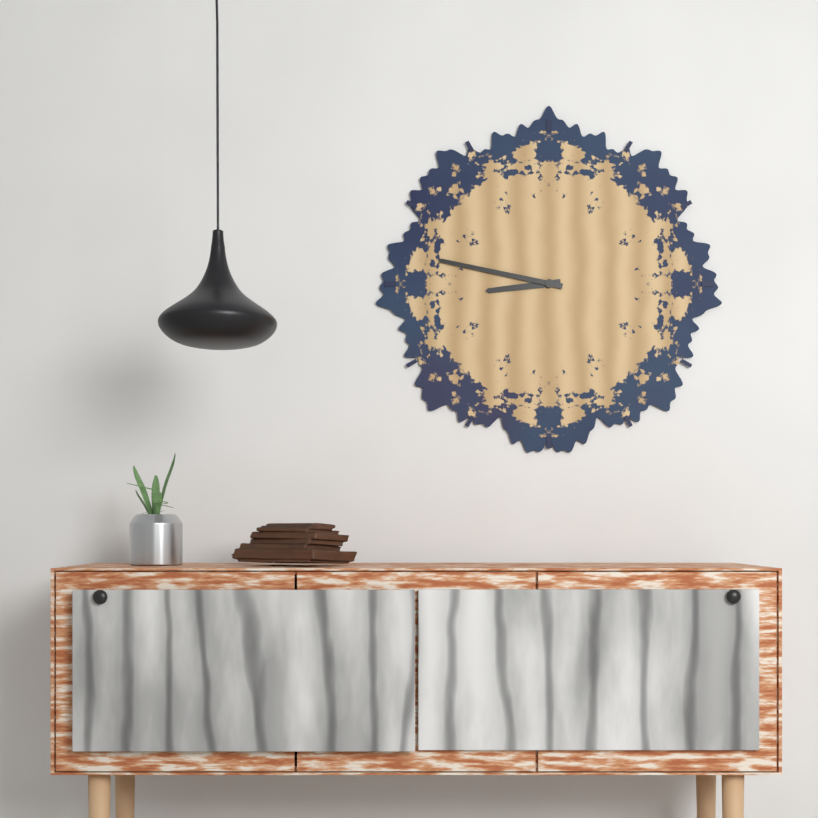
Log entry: h=8 m=47
